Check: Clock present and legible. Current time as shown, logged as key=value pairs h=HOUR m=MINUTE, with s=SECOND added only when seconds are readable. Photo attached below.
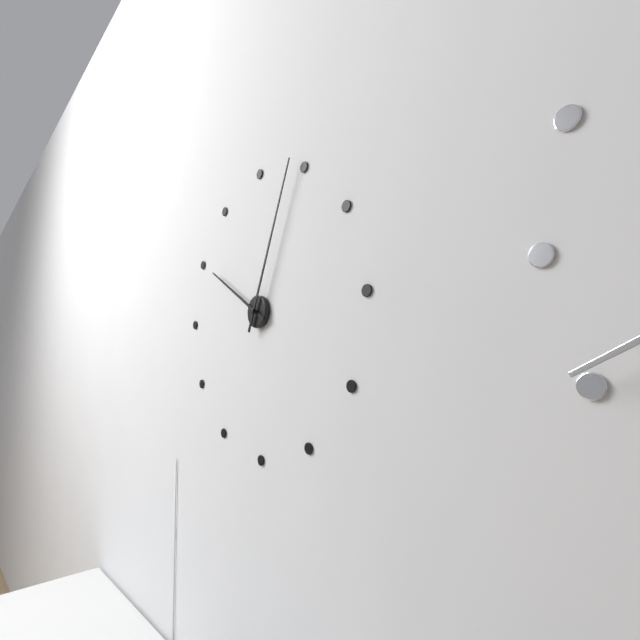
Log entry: h=10 m=4
